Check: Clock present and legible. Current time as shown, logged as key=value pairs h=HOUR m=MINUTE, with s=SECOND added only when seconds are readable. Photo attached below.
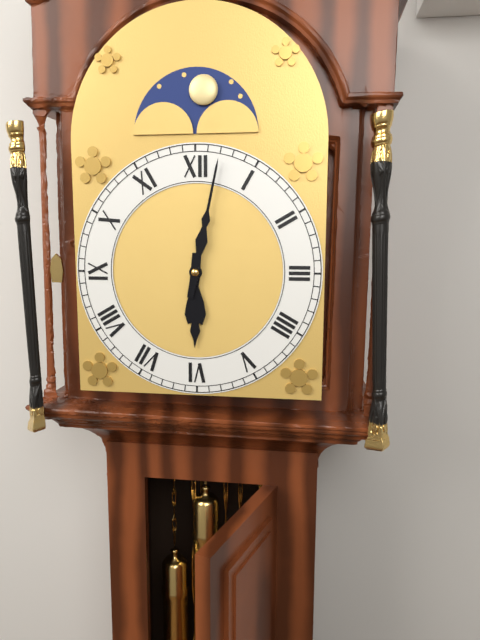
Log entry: h=6 m=2
